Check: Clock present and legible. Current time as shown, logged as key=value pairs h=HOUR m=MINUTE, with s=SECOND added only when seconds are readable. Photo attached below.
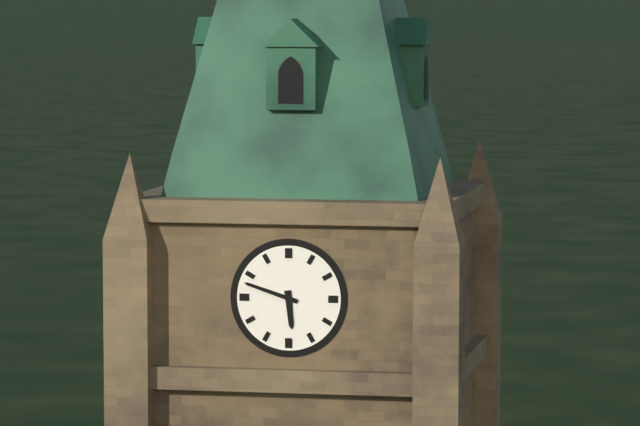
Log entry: h=5 m=48
